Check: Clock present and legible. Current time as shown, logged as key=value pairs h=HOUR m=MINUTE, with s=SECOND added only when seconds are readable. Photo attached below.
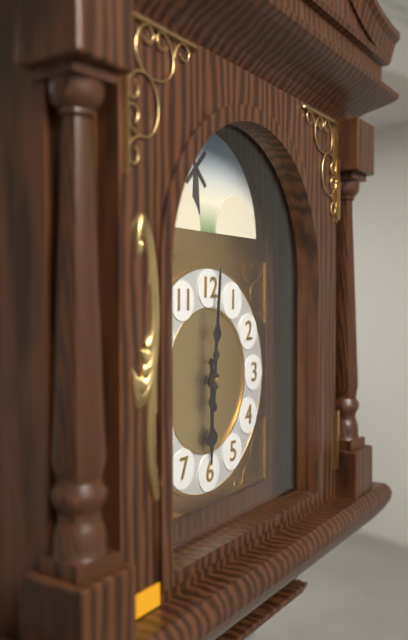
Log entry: h=6 m=1
